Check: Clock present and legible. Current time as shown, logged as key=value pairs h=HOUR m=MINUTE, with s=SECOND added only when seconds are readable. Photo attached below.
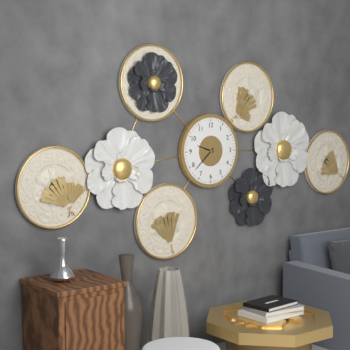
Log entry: h=9 m=38
